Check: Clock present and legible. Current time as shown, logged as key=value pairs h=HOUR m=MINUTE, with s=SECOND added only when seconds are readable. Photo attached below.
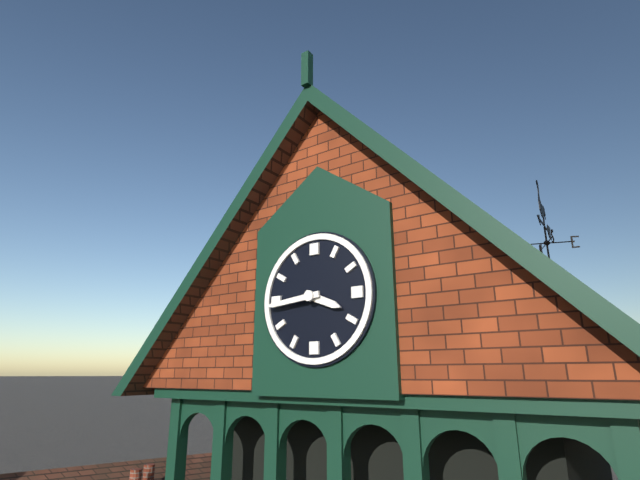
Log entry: h=3 m=44
